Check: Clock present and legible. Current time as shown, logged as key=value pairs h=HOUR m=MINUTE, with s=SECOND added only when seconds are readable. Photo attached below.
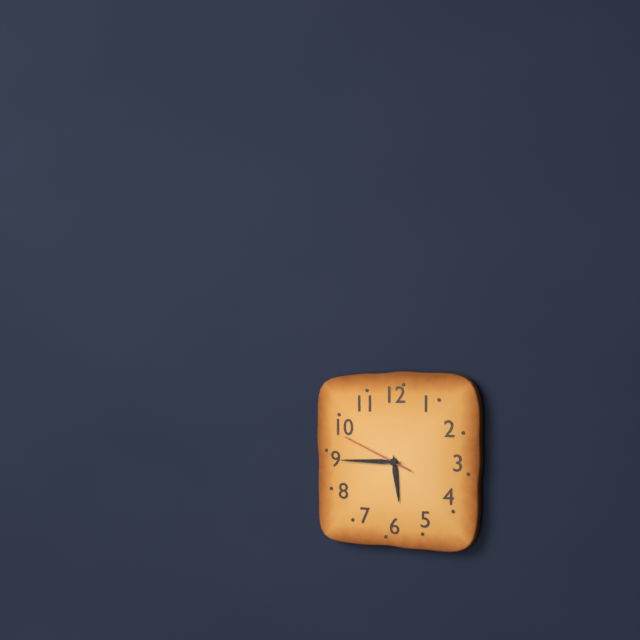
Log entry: h=5 m=45 s=49
